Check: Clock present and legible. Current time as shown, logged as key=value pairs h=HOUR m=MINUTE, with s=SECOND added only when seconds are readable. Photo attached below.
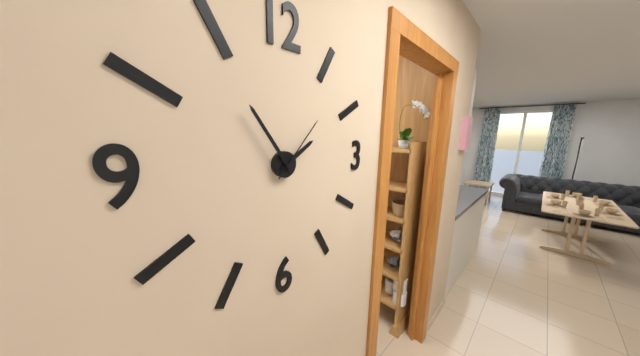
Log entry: h=1 m=54 s=7
